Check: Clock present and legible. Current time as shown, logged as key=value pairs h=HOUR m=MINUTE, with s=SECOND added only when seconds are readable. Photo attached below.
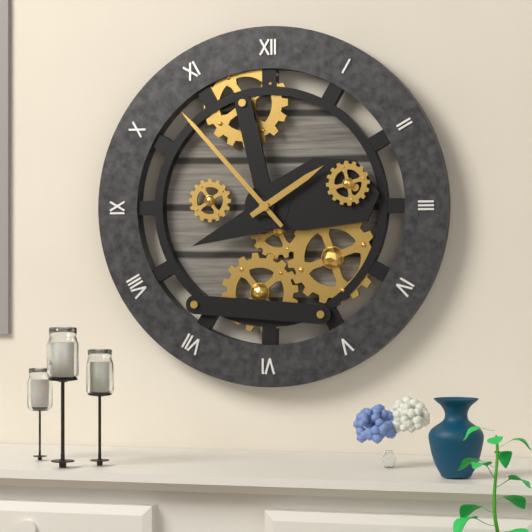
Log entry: h=1 m=53
